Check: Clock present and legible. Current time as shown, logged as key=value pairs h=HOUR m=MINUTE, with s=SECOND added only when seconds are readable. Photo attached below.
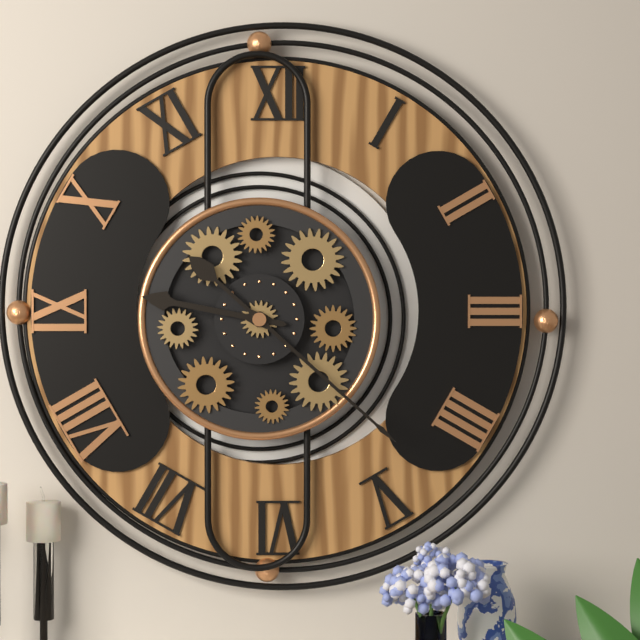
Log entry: h=9 m=22
